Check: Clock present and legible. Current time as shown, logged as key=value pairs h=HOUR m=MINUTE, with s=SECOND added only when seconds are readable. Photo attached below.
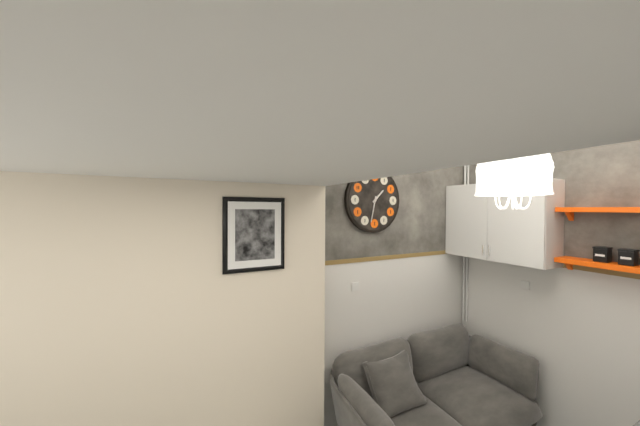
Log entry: h=1 m=32
